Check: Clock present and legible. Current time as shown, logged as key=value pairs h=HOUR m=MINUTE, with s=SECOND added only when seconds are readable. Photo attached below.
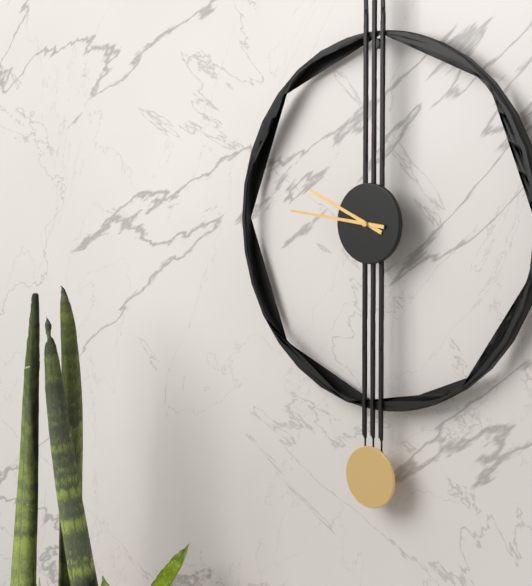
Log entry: h=9 m=46
